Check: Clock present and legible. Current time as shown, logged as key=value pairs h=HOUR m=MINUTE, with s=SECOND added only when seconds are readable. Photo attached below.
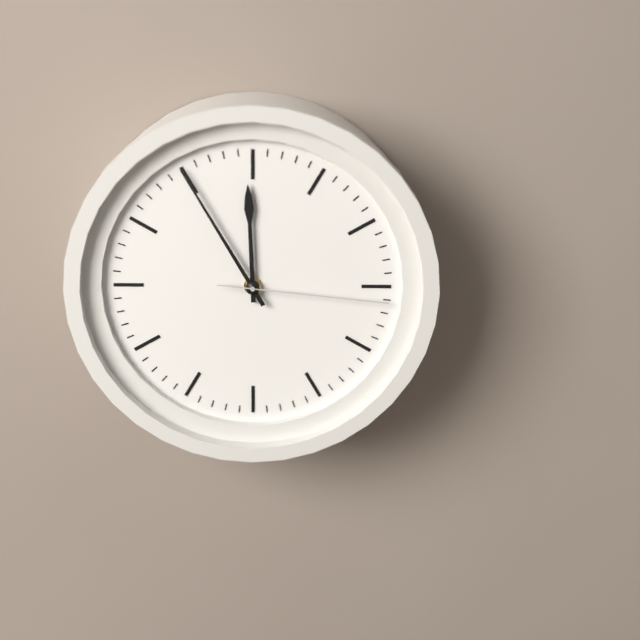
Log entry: h=11 m=55 s=16
